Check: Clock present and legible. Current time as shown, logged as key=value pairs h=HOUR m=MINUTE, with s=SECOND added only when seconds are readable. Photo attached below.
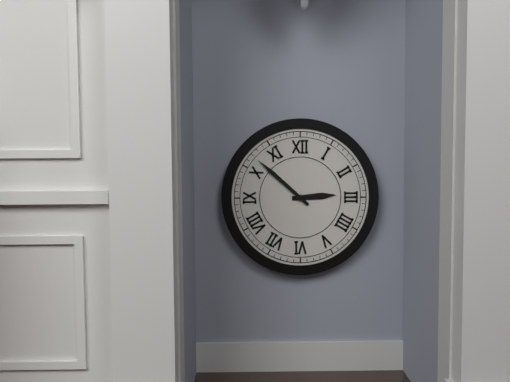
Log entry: h=2 m=52
